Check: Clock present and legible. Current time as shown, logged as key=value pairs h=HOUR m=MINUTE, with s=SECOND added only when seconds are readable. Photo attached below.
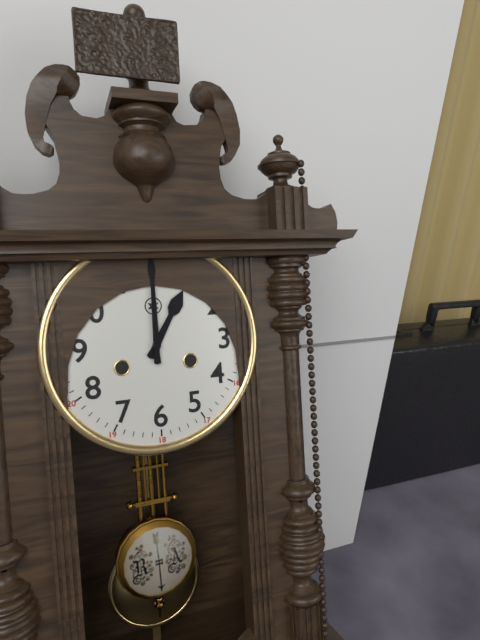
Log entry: h=1 m=0
